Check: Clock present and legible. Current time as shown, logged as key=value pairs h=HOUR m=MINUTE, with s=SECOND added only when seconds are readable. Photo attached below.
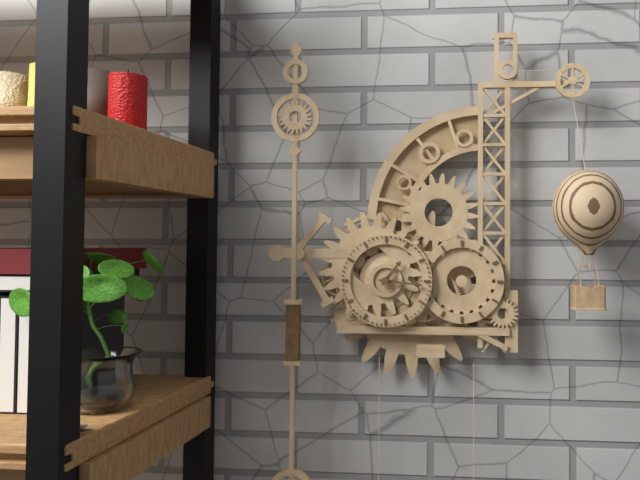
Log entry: h=1 m=16
